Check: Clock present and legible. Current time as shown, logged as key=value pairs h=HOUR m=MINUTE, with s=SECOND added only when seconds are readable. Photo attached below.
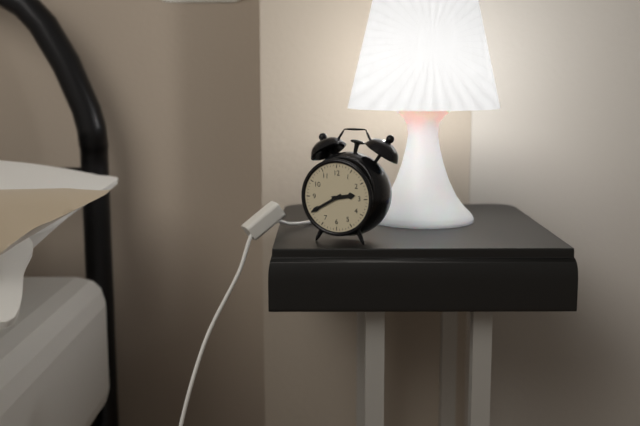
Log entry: h=2 m=40
